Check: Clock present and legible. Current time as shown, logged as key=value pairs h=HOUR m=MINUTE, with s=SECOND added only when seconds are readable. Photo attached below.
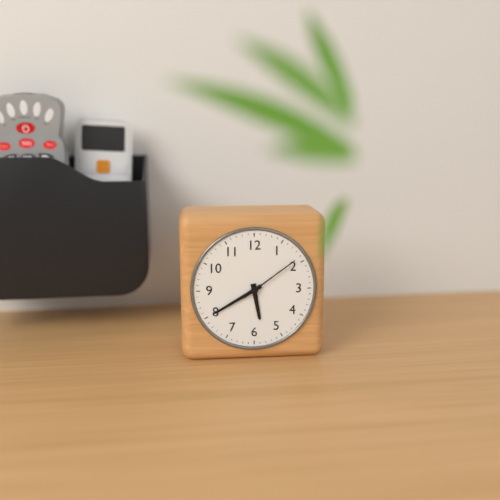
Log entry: h=5 m=40 s=9
